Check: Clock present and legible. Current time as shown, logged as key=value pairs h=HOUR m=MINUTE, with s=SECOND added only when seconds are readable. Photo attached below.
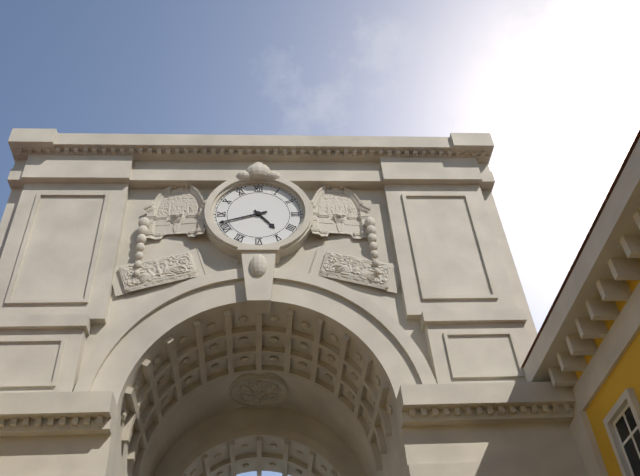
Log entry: h=4 m=42
